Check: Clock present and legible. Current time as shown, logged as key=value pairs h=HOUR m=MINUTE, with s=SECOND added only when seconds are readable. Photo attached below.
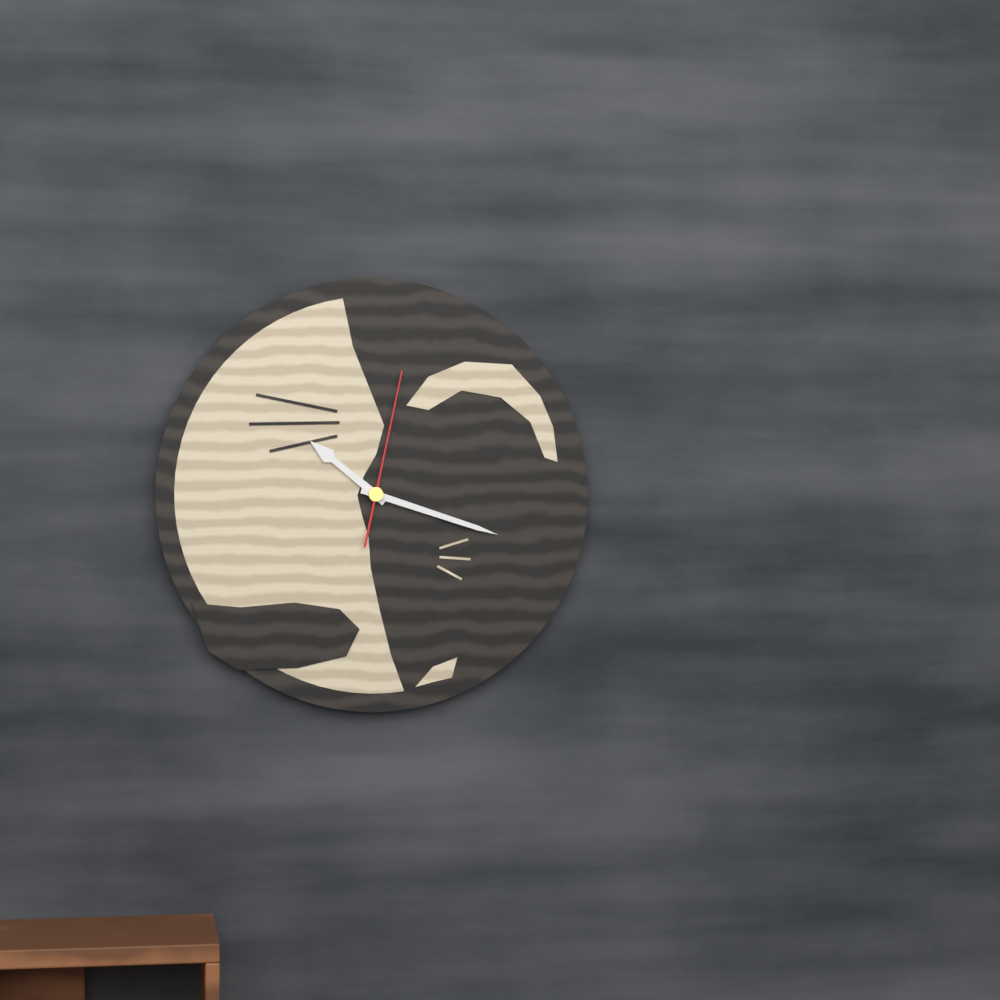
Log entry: h=10 m=18 s=2
